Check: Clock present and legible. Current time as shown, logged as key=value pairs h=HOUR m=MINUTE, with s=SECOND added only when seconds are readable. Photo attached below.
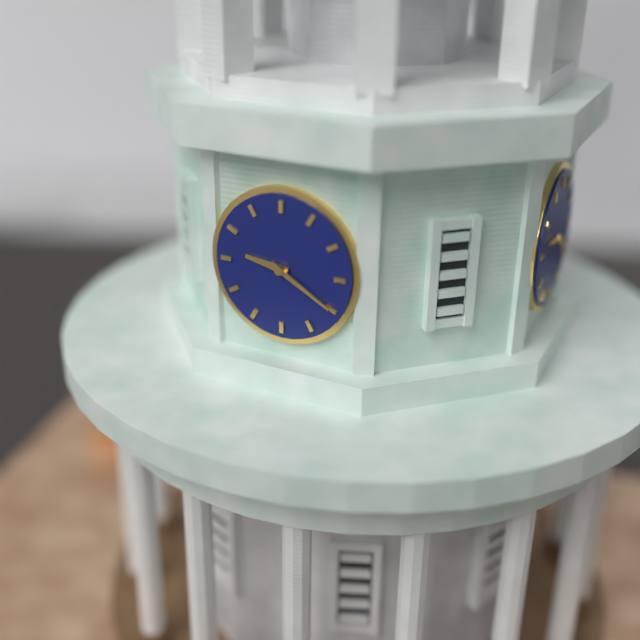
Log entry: h=9 m=20
